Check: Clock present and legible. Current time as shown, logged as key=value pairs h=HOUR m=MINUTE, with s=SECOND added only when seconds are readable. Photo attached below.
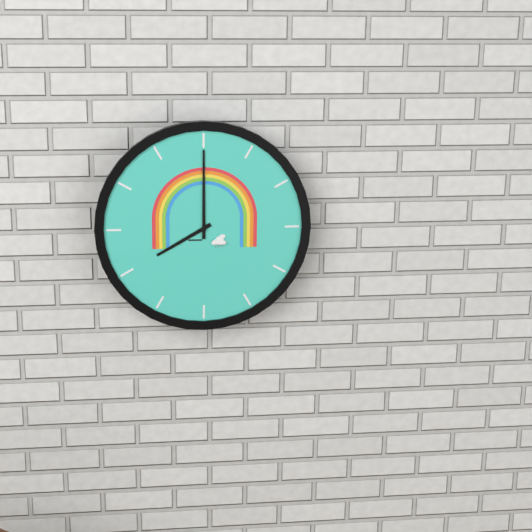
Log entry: h=8 m=0
